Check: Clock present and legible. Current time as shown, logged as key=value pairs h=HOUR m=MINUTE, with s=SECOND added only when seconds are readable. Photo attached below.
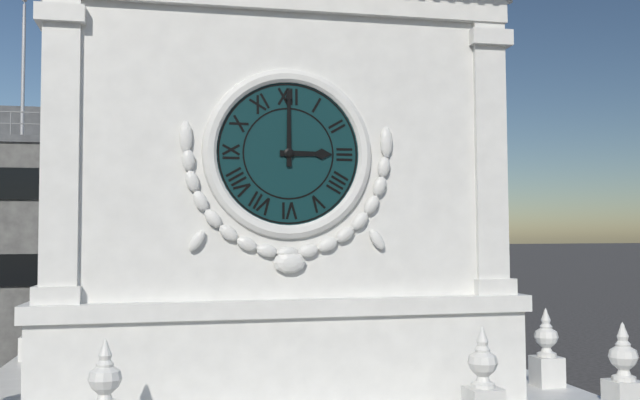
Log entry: h=3 m=0
